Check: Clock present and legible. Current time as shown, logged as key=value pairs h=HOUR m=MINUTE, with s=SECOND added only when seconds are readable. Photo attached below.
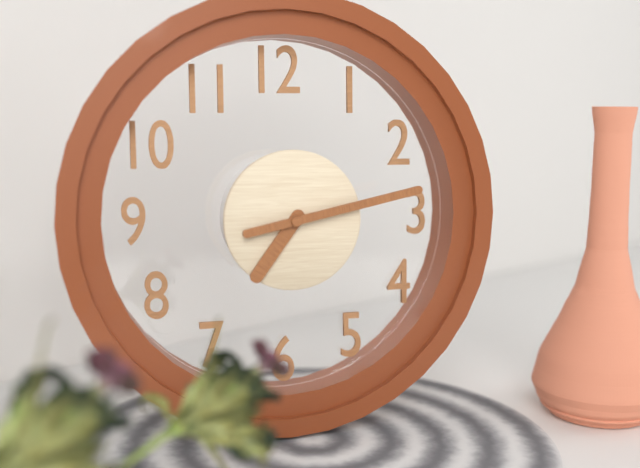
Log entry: h=7 m=13
